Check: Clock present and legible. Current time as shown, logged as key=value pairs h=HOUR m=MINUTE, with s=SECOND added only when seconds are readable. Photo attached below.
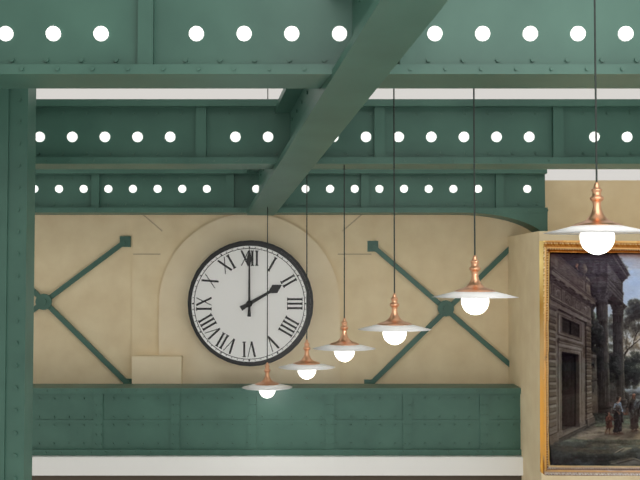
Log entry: h=2 m=0
